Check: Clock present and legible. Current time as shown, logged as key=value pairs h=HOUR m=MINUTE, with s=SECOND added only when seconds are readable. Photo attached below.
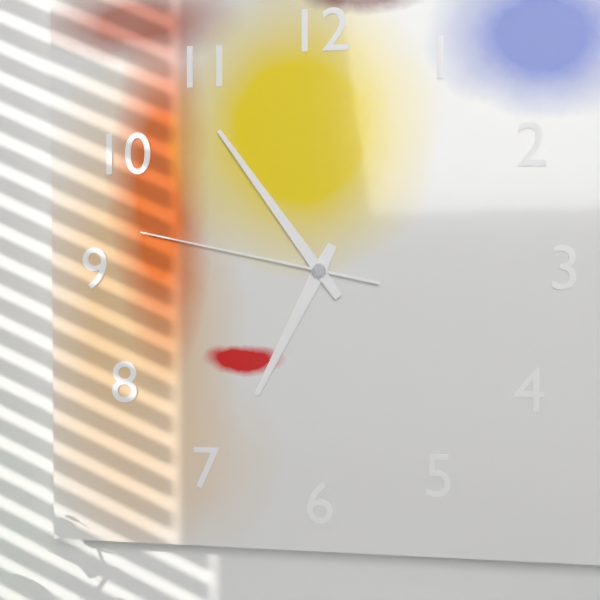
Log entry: h=6 m=54 s=47
